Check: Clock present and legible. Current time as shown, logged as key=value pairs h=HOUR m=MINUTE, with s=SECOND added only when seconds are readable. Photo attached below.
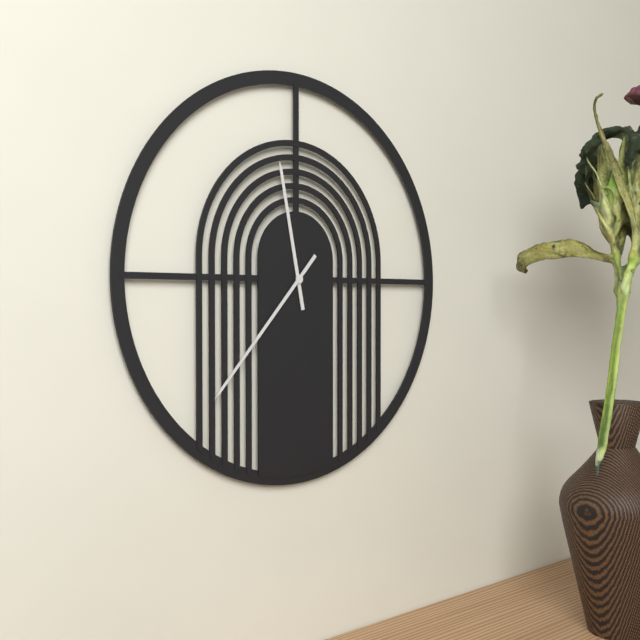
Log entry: h=11 m=37
